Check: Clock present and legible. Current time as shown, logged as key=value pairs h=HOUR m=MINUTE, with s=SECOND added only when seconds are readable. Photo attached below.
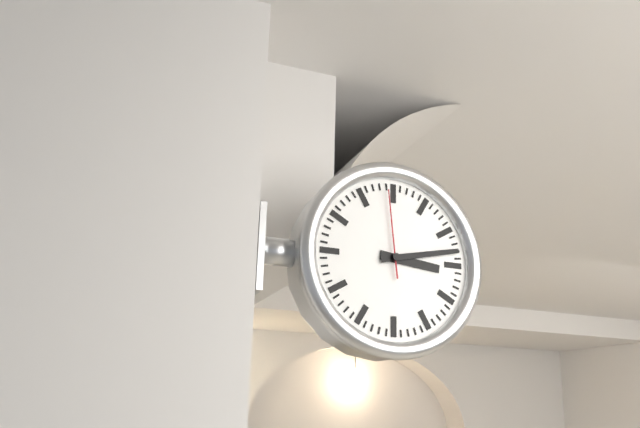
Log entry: h=3 m=13 s=59
